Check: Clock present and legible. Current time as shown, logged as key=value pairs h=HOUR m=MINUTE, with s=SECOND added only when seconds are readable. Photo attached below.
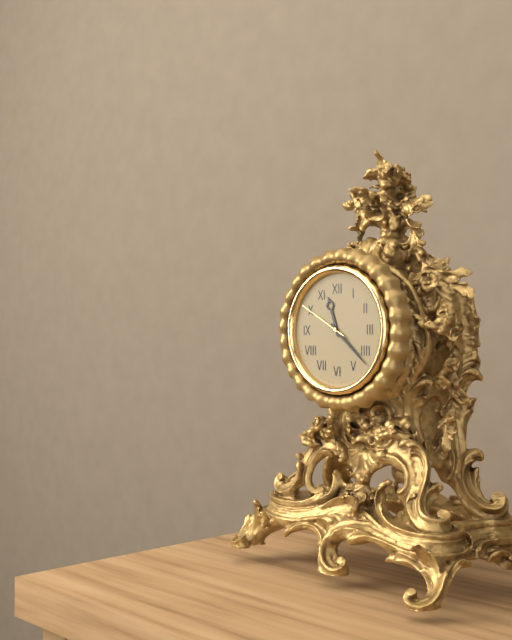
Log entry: h=11 m=22 s=50
